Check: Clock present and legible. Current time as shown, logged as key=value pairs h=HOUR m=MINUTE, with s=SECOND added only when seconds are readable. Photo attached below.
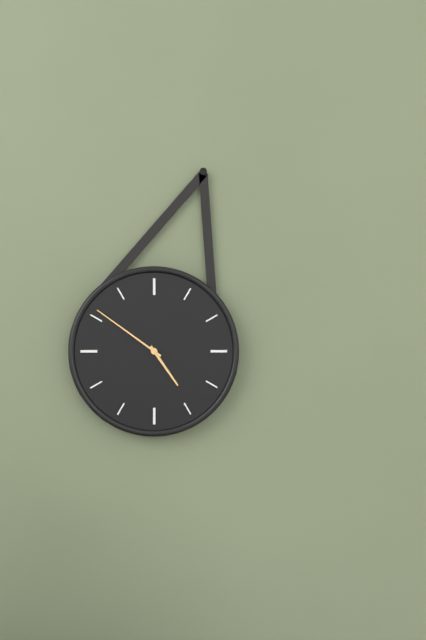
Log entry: h=4 m=51
